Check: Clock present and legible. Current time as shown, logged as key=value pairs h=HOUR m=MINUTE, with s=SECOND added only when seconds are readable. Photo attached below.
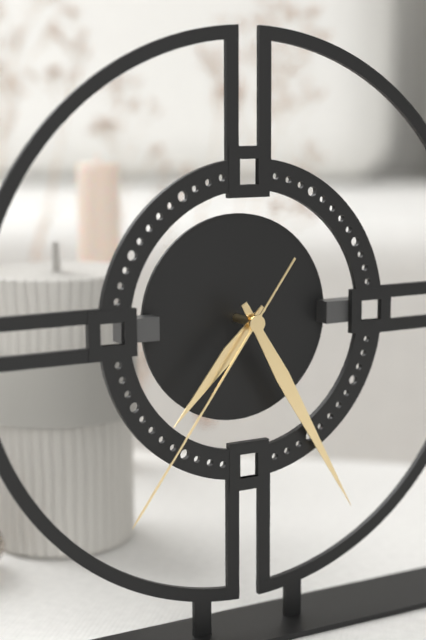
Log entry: h=7 m=25 s=36
